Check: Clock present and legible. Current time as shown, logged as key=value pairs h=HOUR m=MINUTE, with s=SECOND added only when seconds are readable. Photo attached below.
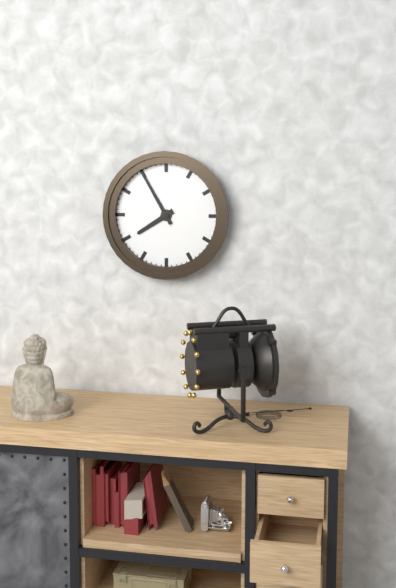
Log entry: h=7 m=55
